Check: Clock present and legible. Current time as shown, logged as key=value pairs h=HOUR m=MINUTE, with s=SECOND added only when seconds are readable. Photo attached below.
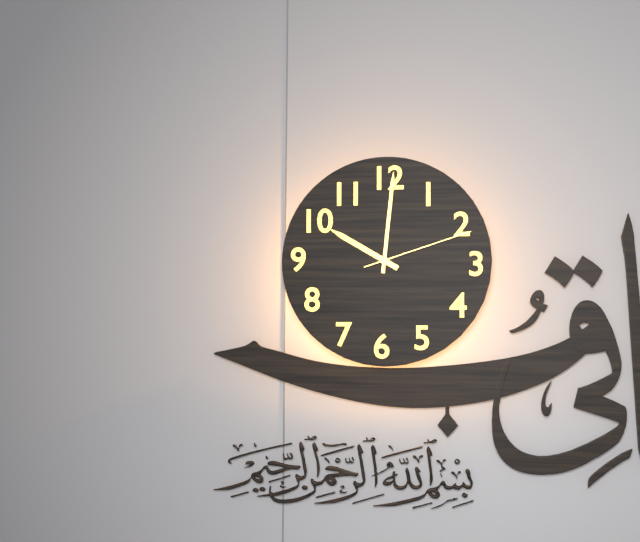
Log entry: h=10 m=1 s=12
